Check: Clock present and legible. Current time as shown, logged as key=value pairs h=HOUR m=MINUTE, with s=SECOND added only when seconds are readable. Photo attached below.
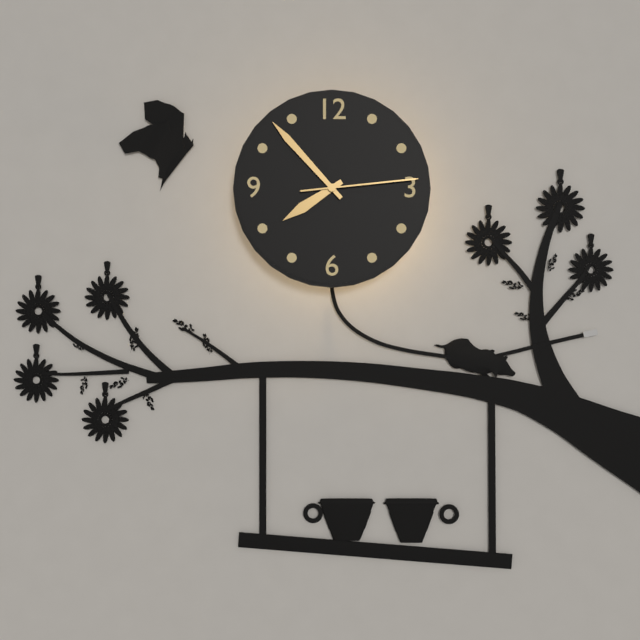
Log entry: h=7 m=53 s=14
